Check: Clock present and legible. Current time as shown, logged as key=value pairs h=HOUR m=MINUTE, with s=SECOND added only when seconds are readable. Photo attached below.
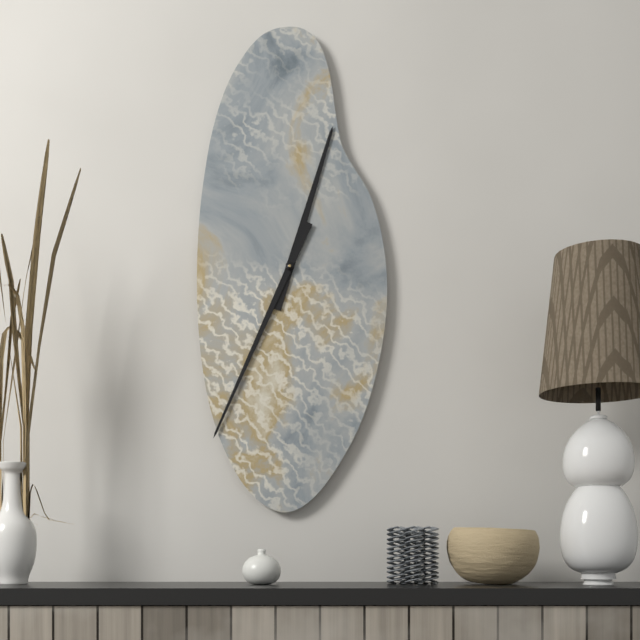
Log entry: h=12 m=34
